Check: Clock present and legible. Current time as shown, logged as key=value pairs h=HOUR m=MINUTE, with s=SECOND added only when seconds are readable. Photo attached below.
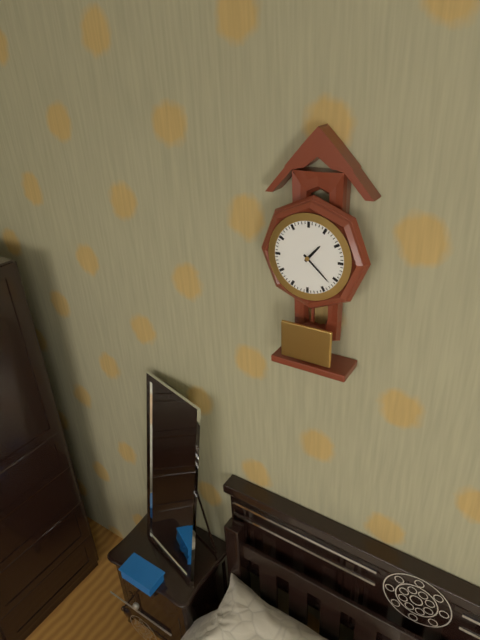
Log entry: h=1 m=22
